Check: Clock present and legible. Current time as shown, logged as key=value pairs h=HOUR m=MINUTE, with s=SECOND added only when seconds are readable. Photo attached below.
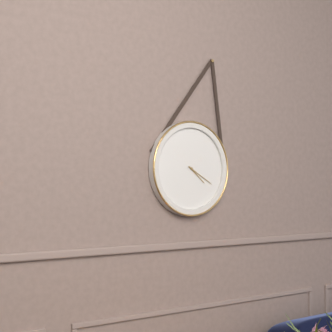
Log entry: h=4 m=20
